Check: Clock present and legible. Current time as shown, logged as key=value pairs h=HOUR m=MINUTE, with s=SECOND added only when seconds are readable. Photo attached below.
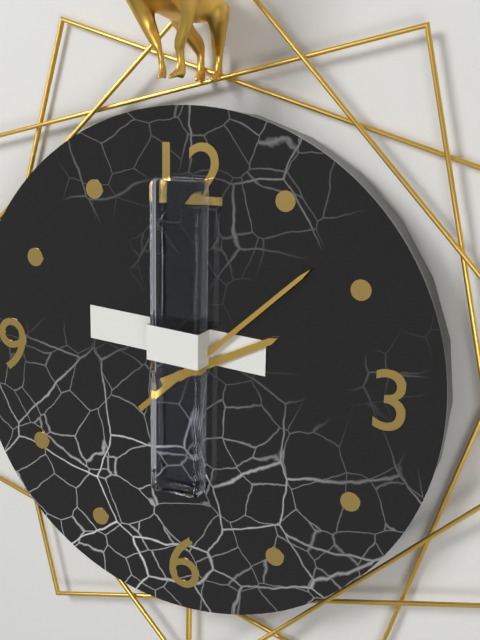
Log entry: h=2 m=8
